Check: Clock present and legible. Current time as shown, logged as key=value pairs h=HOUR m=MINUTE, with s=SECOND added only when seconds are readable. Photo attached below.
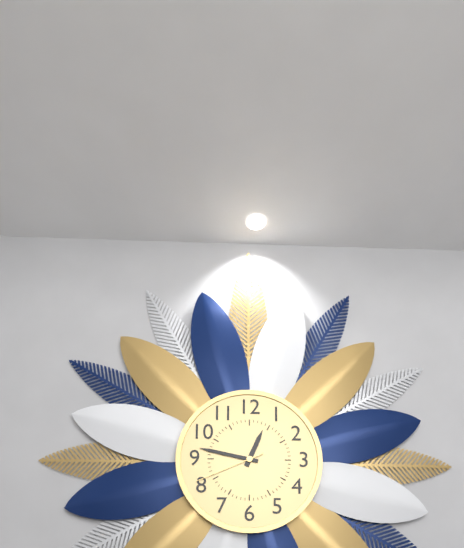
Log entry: h=12 m=47 s=41
